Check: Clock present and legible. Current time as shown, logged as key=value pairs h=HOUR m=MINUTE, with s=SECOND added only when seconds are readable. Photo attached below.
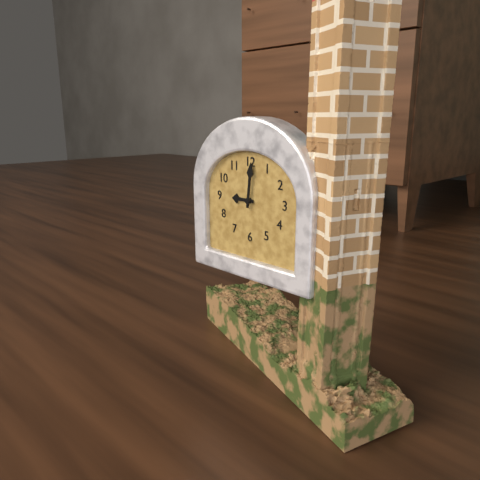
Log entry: h=9 m=1
